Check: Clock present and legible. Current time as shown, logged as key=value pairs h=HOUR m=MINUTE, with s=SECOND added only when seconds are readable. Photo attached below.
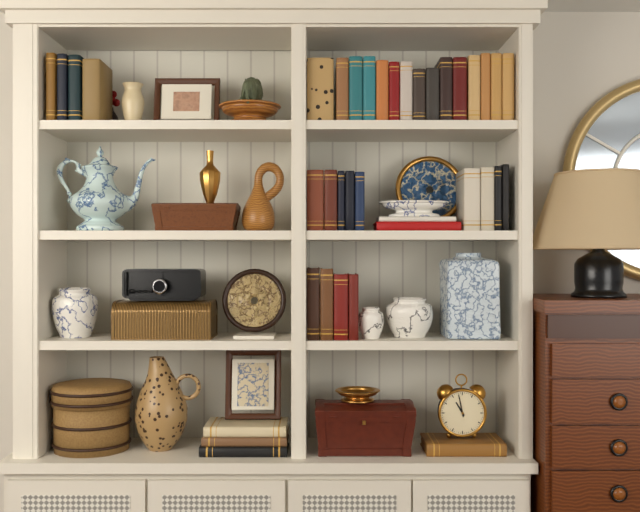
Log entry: h=10 m=58
